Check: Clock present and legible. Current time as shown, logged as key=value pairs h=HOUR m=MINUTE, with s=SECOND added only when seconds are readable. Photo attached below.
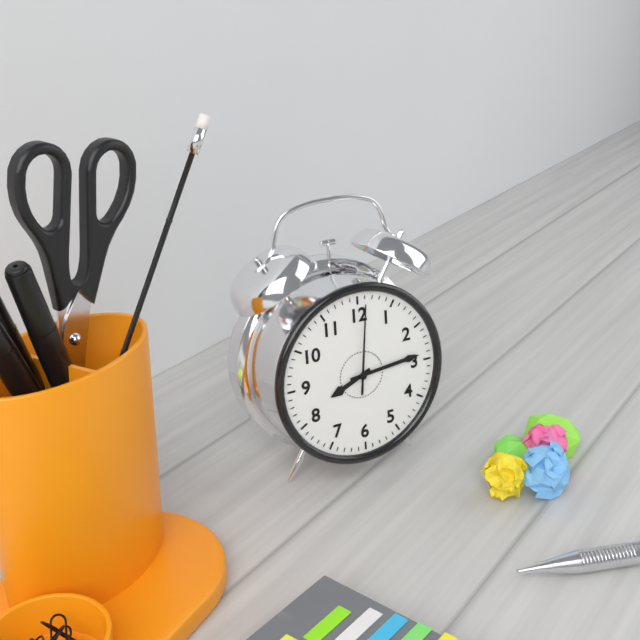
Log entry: h=8 m=14 s=1
